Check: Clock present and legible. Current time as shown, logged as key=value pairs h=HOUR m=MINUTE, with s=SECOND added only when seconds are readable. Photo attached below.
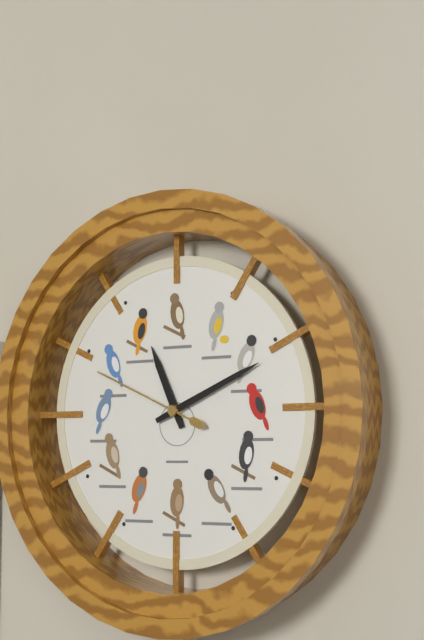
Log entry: h=11 m=11 s=49
